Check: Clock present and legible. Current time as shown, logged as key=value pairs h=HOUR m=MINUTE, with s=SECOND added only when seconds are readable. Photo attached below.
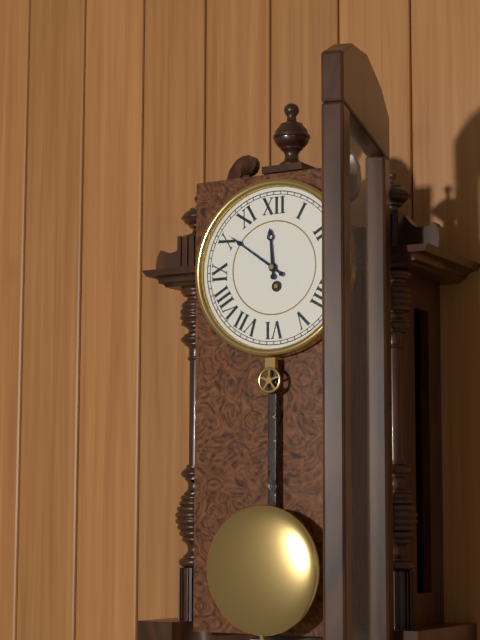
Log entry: h=11 m=51
